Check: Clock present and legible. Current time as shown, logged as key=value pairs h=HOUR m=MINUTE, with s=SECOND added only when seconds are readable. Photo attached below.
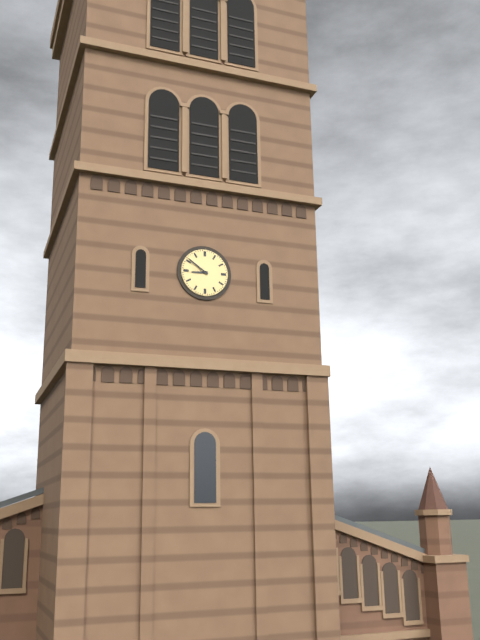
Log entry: h=8 m=51
